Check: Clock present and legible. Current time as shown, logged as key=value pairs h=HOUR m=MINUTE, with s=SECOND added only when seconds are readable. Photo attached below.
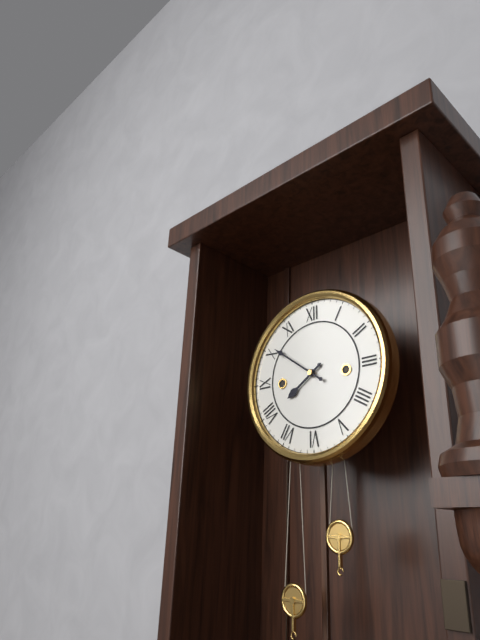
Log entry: h=7 m=51
